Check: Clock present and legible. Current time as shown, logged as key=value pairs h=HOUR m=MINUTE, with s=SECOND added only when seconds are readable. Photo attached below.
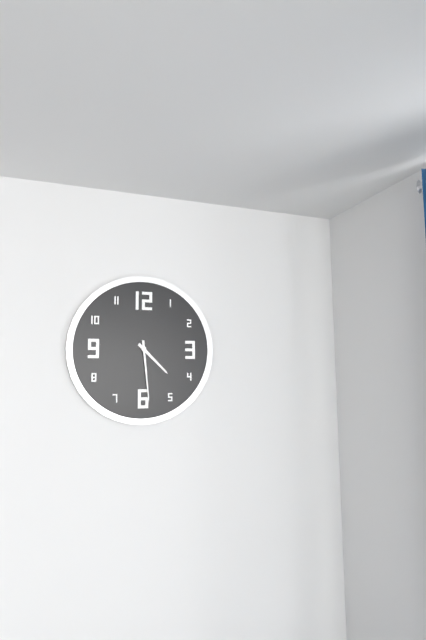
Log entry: h=4 m=29
